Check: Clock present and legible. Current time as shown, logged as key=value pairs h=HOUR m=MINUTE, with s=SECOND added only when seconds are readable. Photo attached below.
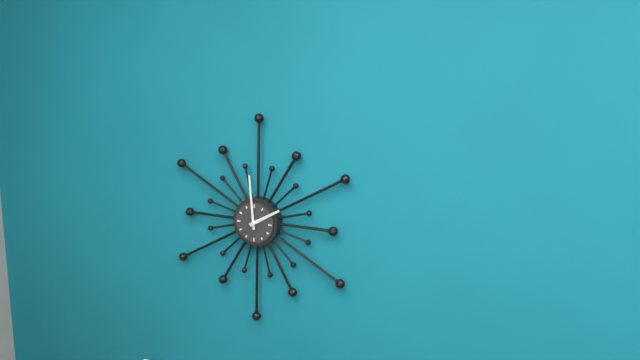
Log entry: h=1 m=59
